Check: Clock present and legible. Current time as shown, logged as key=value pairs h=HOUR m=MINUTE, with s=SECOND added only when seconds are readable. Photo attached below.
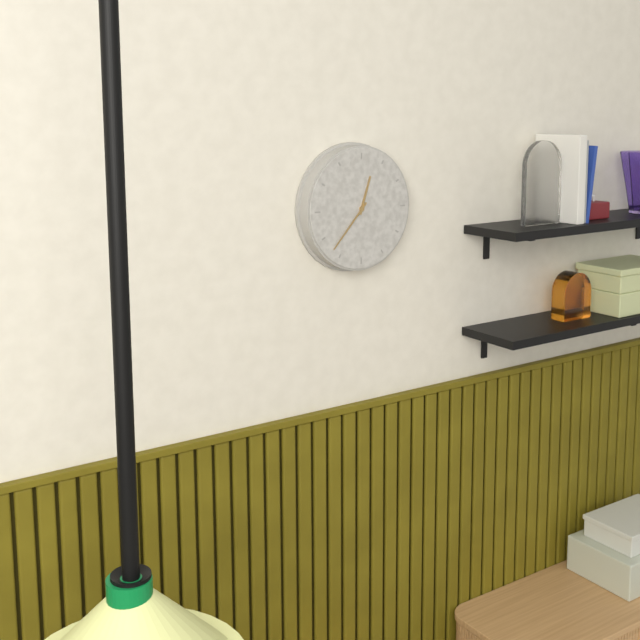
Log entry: h=12 m=37
